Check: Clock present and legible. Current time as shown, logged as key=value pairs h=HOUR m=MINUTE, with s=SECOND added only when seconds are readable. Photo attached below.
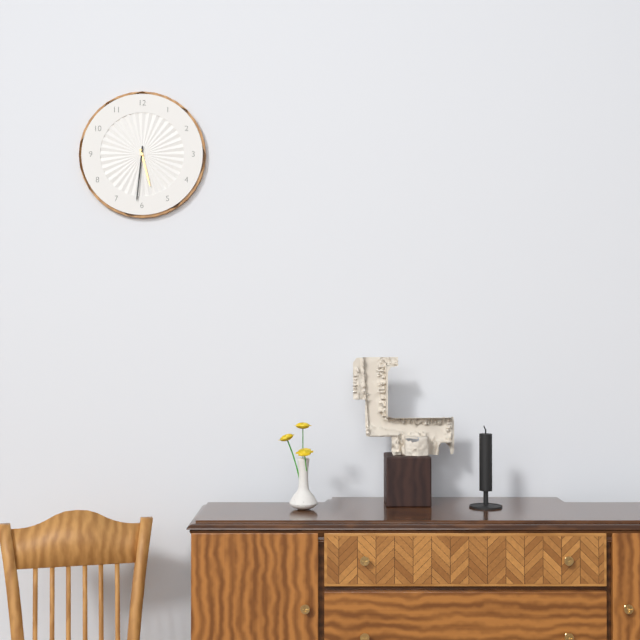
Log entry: h=5 m=31
